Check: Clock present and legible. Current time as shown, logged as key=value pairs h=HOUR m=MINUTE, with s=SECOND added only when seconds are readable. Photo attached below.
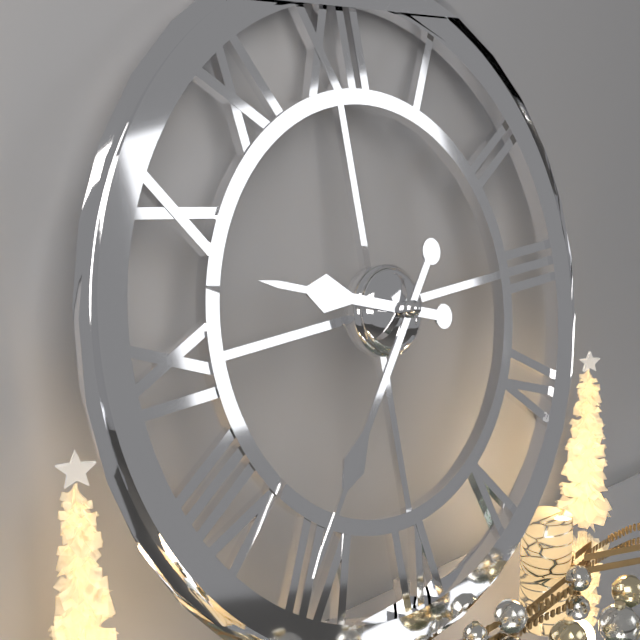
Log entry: h=9 m=37
